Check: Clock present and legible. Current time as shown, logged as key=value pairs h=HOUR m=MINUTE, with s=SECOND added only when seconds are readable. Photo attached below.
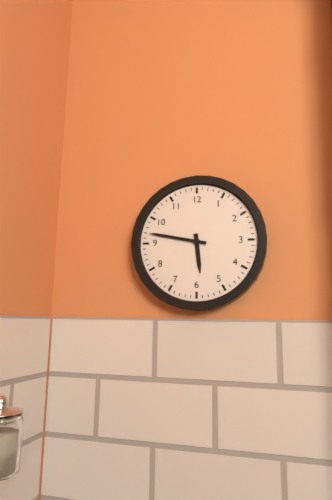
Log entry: h=5 m=47
